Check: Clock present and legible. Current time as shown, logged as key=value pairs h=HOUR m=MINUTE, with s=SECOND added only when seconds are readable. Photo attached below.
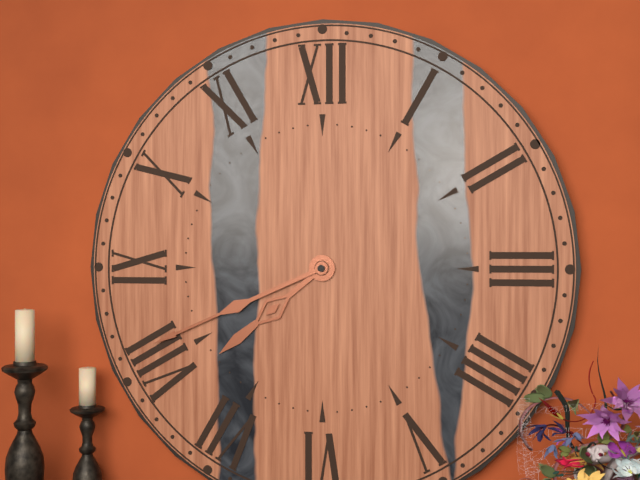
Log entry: h=7 m=41
